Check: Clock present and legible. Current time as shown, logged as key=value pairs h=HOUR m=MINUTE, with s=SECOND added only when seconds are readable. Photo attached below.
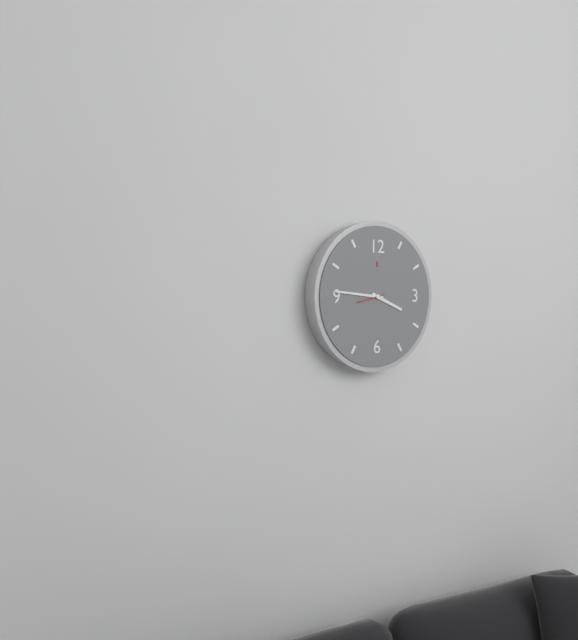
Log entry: h=3 m=46
